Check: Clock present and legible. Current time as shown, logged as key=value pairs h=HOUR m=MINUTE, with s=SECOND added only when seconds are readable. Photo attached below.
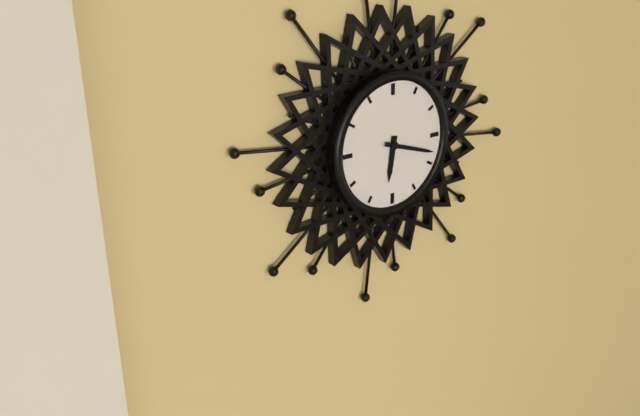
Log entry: h=6 m=18
